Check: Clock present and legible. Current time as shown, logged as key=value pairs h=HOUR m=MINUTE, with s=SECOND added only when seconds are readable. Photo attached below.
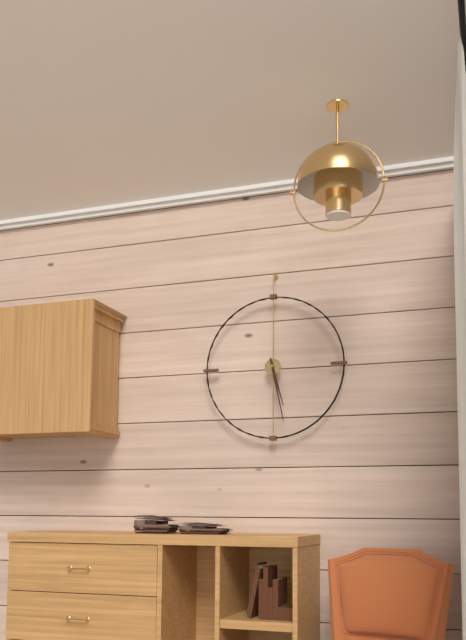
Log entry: h=5 m=28
